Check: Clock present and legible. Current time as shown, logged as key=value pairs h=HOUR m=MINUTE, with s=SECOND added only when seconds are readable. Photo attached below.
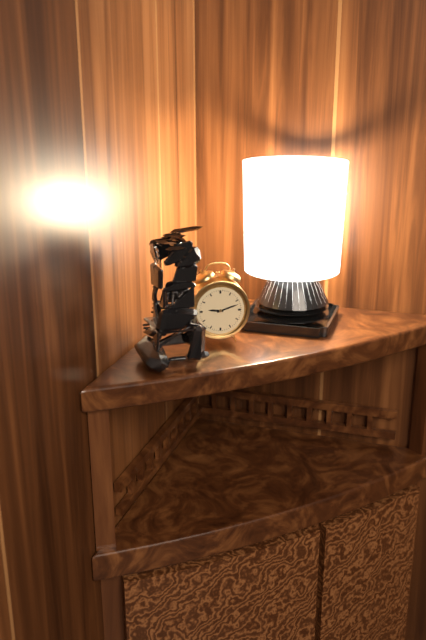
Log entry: h=9 m=12
